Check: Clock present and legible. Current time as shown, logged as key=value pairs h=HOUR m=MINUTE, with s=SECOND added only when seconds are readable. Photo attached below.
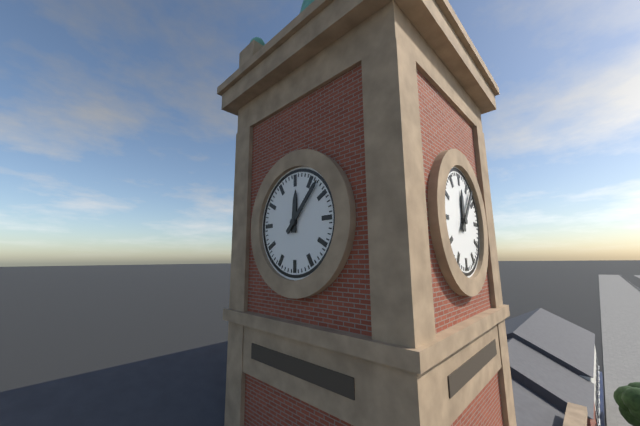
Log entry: h=12 m=7
